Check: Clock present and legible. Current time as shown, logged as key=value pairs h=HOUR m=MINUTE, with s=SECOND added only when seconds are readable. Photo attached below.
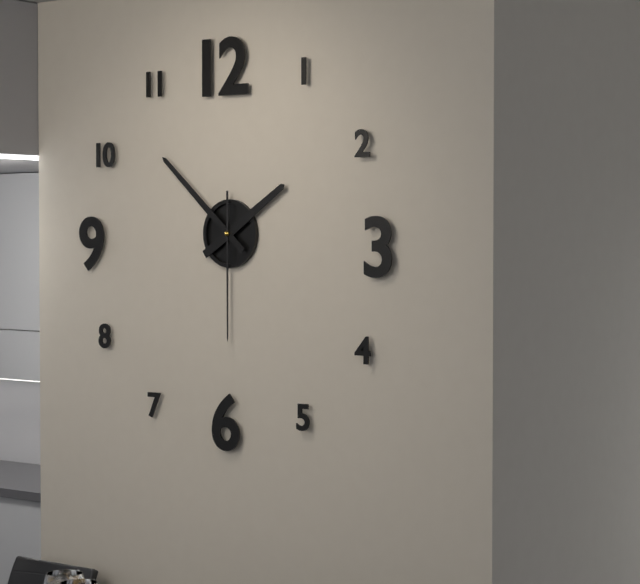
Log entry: h=1 m=52 s=30
